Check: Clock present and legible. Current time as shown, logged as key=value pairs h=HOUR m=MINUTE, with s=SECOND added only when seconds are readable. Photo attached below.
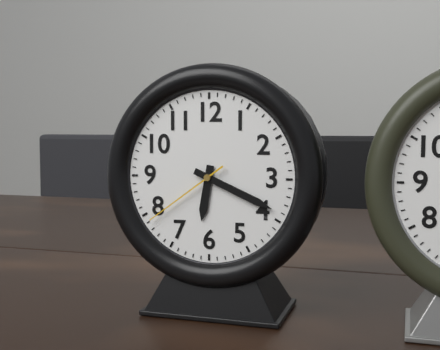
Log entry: h=6 m=19 s=39
